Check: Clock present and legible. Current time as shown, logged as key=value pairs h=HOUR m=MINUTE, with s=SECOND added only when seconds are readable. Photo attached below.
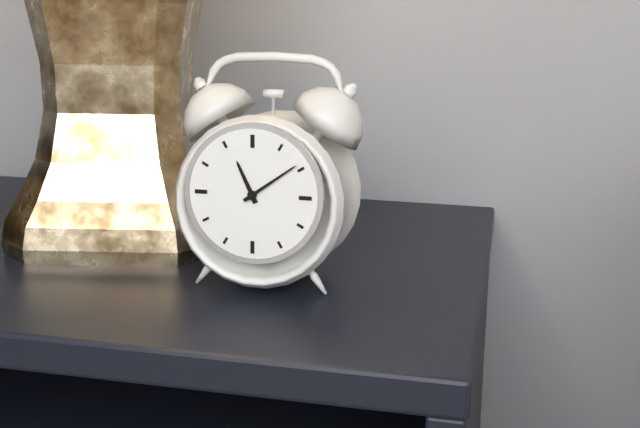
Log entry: h=11 m=9
